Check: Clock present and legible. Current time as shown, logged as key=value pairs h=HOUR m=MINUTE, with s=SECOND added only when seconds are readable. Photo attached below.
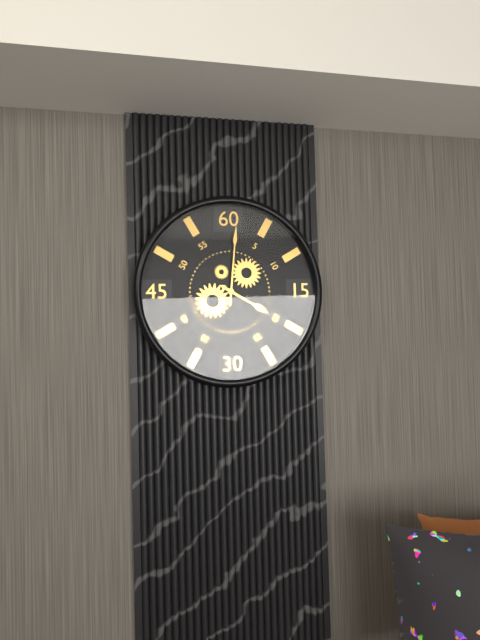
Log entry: h=4 m=1
